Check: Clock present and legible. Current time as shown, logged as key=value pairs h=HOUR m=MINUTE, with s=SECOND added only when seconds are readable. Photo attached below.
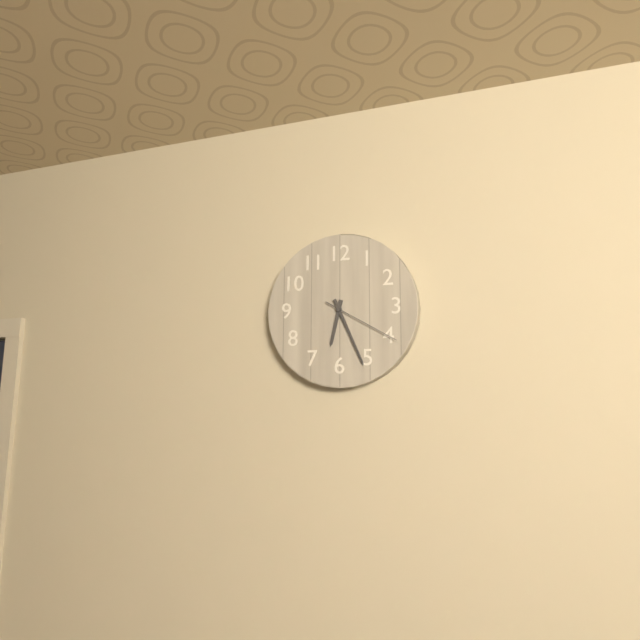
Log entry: h=6 m=26 s=20
